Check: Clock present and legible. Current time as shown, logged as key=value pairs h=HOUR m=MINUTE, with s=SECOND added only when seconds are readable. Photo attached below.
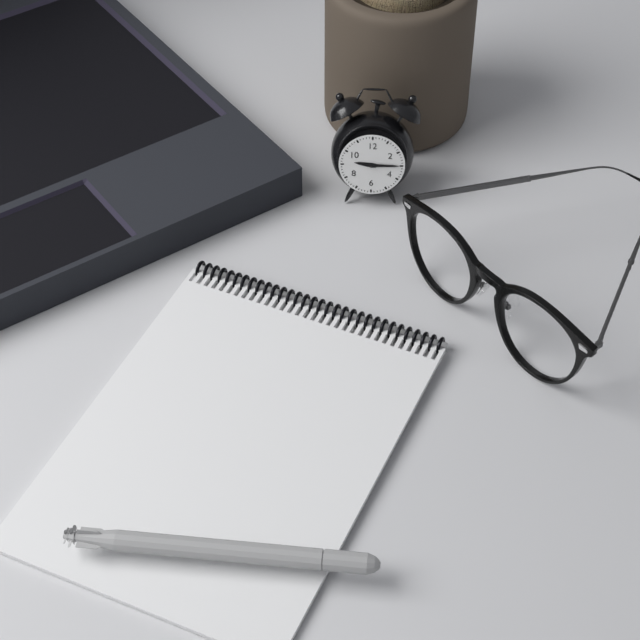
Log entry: h=9 m=15
